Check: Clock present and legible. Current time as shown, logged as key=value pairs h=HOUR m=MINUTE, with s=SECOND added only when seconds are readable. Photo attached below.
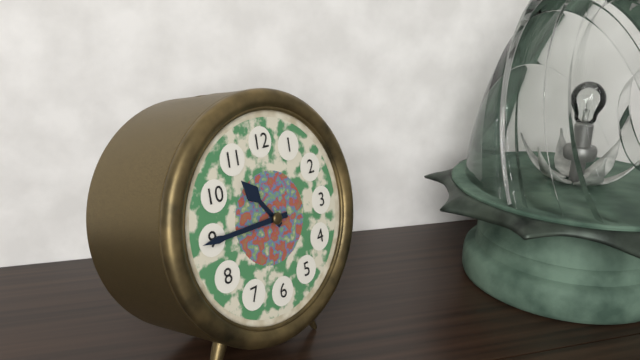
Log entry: h=10 m=45
